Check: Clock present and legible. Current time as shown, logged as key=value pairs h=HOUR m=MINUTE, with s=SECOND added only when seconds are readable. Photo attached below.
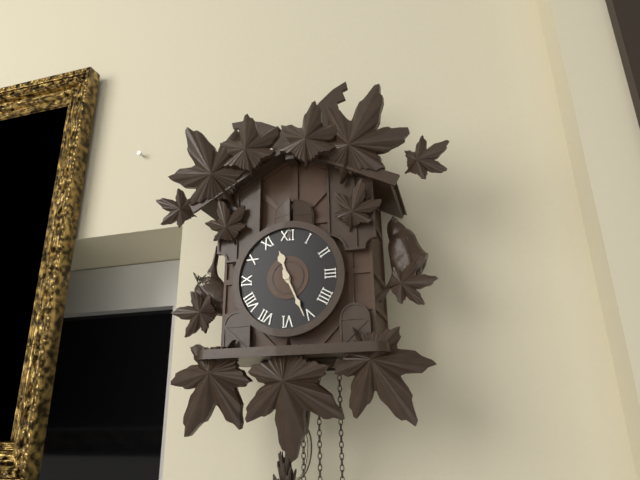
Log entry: h=11 m=26
